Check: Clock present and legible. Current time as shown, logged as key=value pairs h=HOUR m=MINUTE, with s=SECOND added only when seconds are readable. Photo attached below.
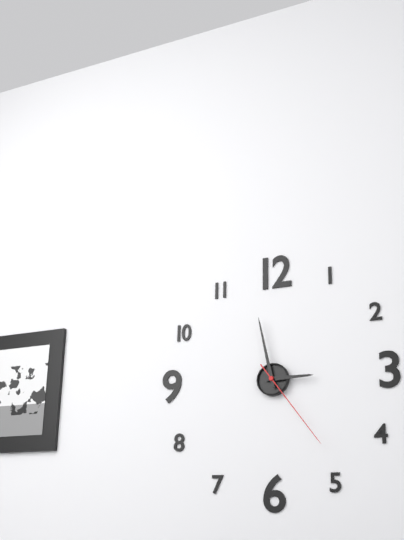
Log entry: h=2 m=58 s=24
